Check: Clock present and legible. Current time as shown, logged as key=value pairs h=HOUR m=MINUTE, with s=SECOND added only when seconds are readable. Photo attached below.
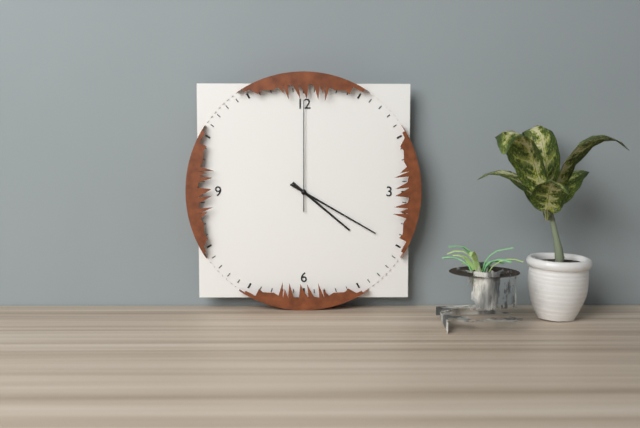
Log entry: h=4 m=20 s=0
